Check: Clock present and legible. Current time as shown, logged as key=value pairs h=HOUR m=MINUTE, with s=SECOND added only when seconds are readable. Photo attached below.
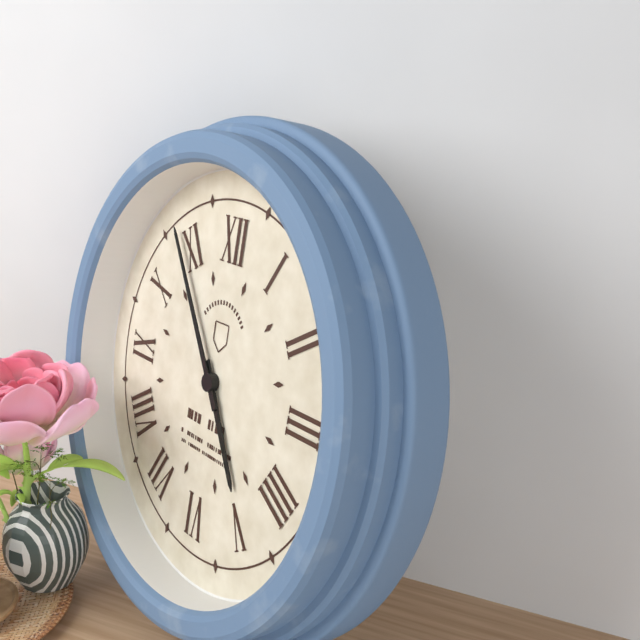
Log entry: h=4 m=54
